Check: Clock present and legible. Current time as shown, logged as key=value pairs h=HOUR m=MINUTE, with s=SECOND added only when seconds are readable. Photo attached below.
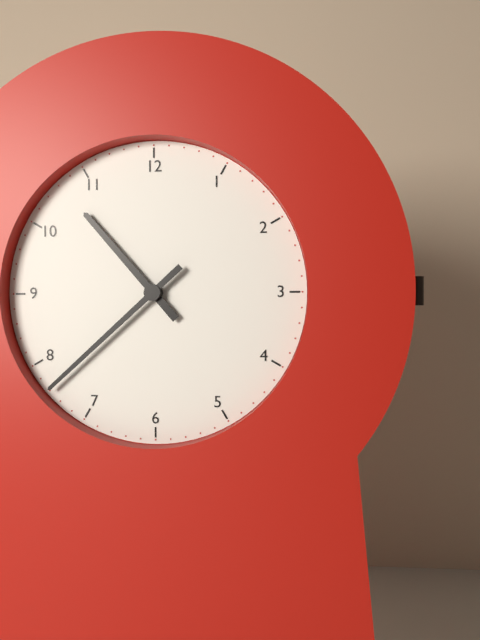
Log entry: h=10 m=38
